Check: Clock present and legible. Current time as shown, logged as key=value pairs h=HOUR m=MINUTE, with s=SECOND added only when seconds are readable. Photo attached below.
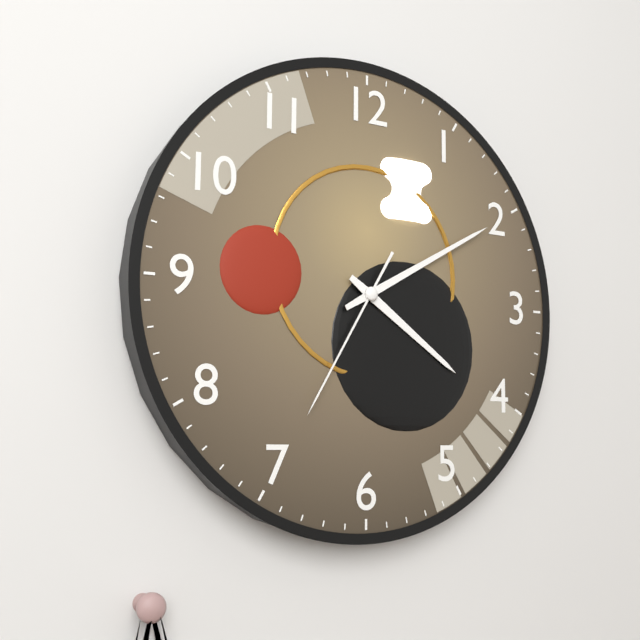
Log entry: h=4 m=10 s=35
